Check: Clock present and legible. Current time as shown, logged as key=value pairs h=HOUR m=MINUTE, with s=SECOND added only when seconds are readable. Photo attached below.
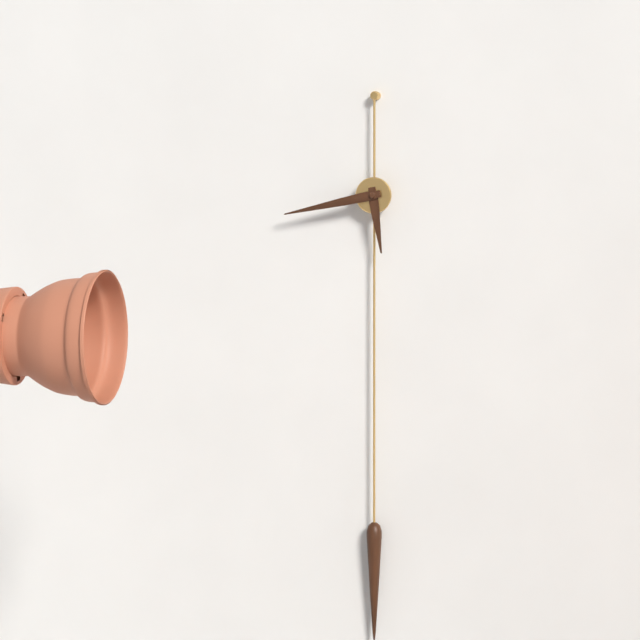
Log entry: h=5 m=43
